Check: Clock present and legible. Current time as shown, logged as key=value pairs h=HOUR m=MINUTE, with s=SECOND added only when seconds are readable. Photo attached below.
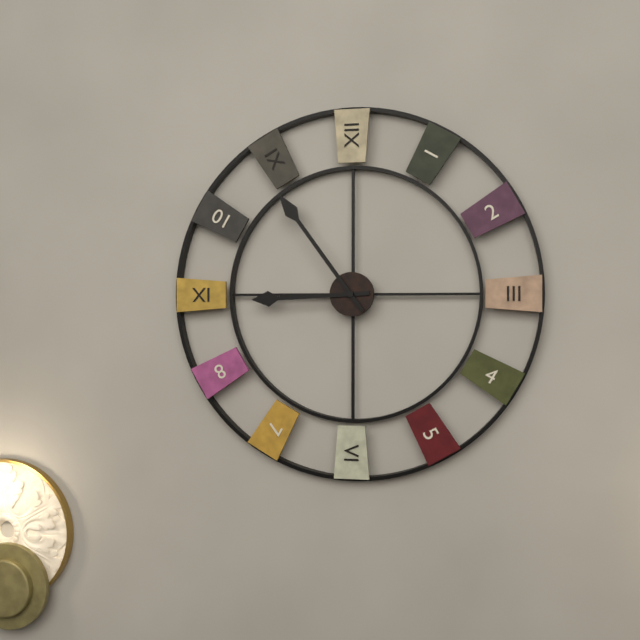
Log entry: h=8 m=54
